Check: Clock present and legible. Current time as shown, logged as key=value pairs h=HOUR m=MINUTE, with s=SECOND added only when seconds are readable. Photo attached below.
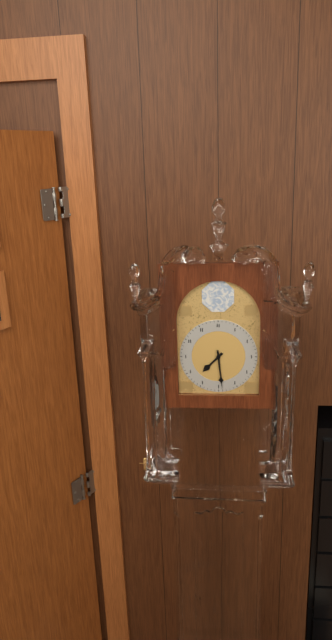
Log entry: h=7 m=29
